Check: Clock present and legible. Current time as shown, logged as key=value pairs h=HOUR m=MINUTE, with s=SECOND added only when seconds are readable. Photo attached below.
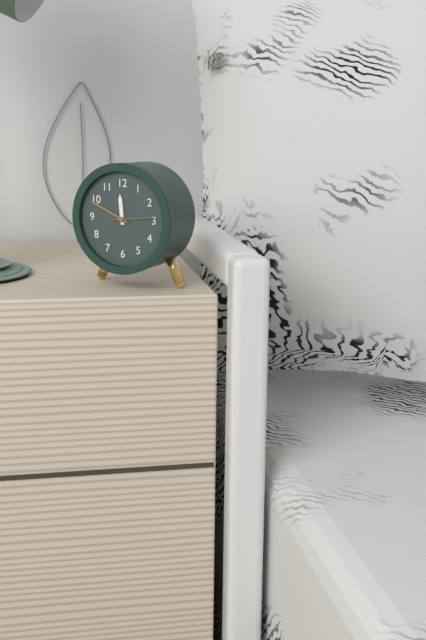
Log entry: h=11 m=49
